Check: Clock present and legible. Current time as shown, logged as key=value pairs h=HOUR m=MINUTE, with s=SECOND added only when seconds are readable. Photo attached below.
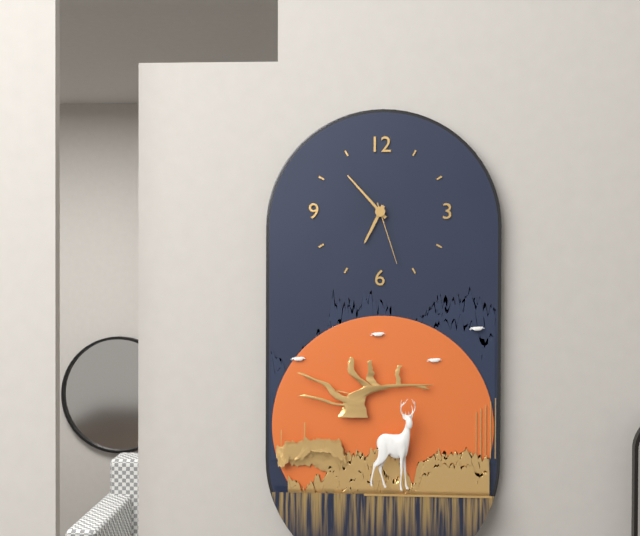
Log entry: h=6 m=53 s=27
